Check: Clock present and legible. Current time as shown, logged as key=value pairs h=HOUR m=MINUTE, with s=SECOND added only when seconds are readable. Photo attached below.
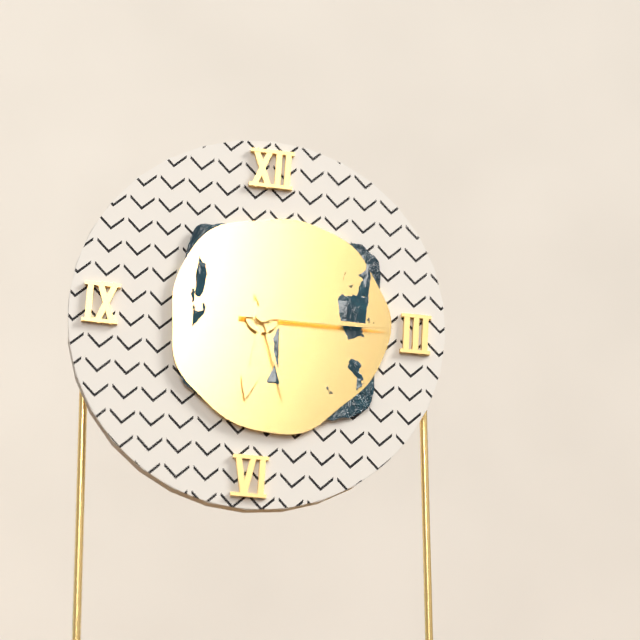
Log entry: h=6 m=15 s=27
